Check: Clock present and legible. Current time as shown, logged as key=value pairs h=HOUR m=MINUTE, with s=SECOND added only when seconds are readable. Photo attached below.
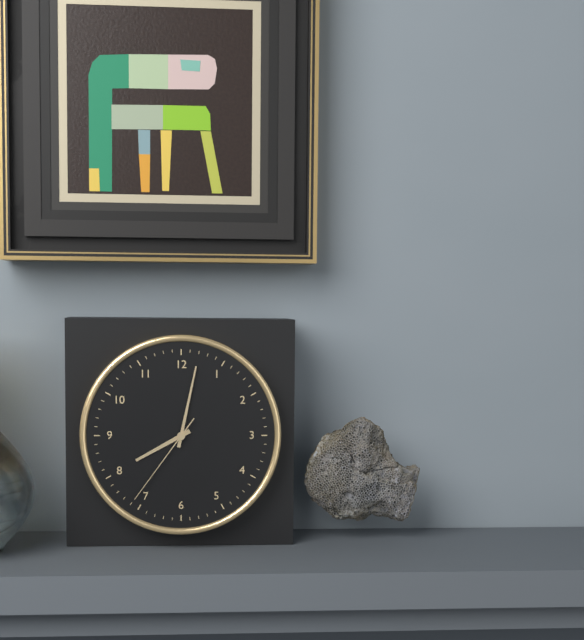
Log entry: h=8 m=2 s=36
